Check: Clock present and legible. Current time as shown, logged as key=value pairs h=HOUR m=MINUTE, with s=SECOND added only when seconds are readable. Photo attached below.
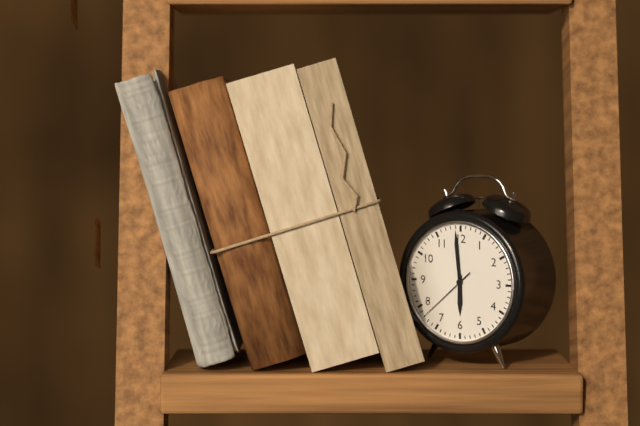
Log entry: h=5 m=59 s=38
